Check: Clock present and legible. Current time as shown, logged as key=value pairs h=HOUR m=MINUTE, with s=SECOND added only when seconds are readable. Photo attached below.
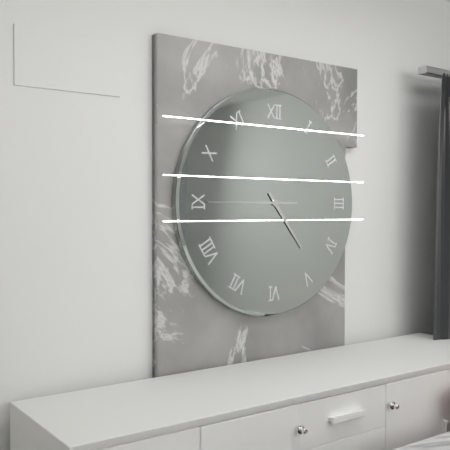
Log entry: h=4 m=45
